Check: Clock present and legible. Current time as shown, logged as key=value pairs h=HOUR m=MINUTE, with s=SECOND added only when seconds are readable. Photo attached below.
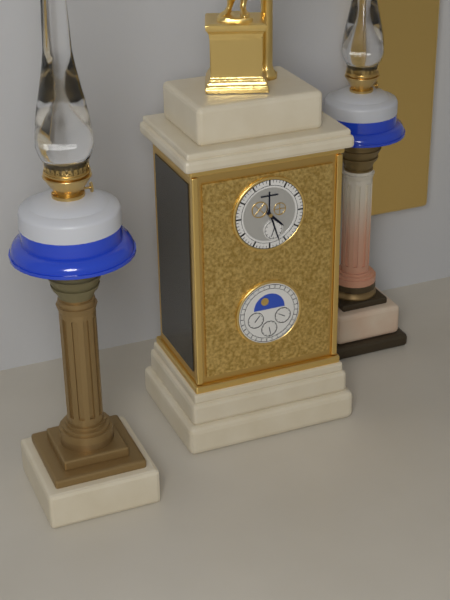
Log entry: h=4 m=27
